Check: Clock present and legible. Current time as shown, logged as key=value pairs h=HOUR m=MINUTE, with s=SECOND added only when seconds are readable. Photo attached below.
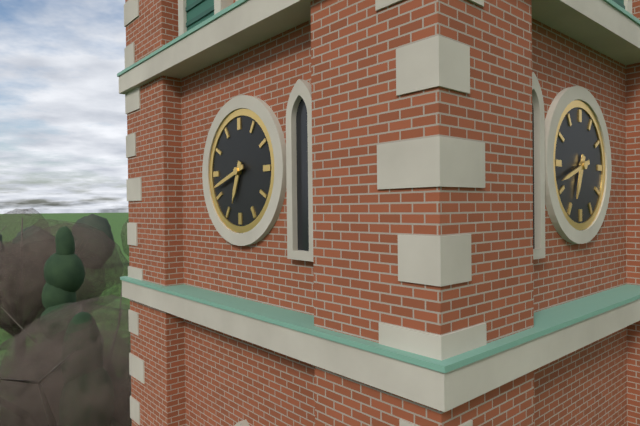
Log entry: h=6 m=42
